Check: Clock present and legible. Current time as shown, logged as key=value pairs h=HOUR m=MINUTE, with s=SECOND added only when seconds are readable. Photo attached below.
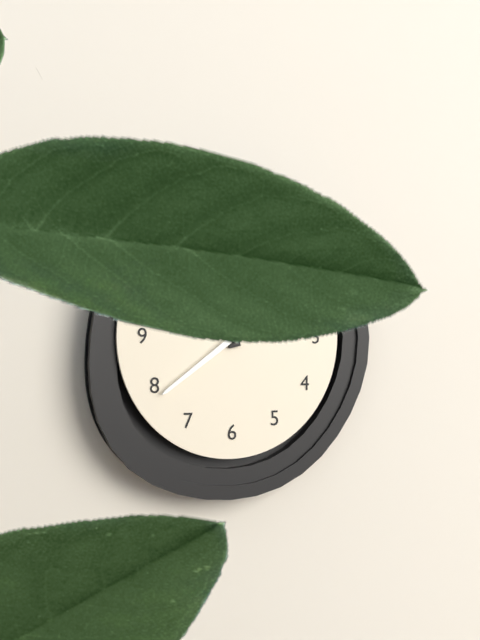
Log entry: h=11 m=39
